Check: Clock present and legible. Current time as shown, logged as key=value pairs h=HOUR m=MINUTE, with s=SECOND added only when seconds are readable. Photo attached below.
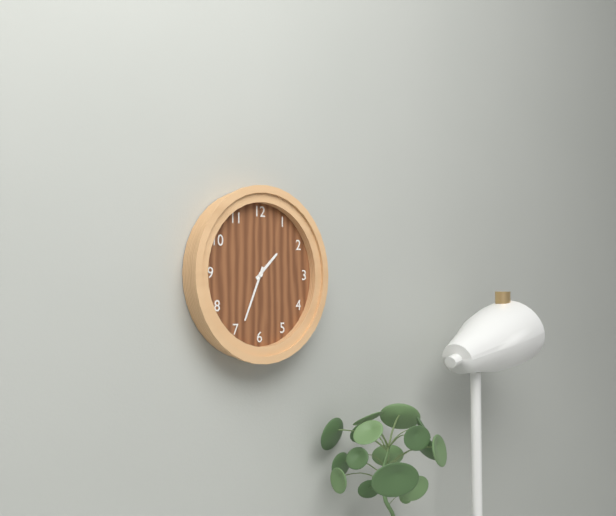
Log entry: h=1 m=34
